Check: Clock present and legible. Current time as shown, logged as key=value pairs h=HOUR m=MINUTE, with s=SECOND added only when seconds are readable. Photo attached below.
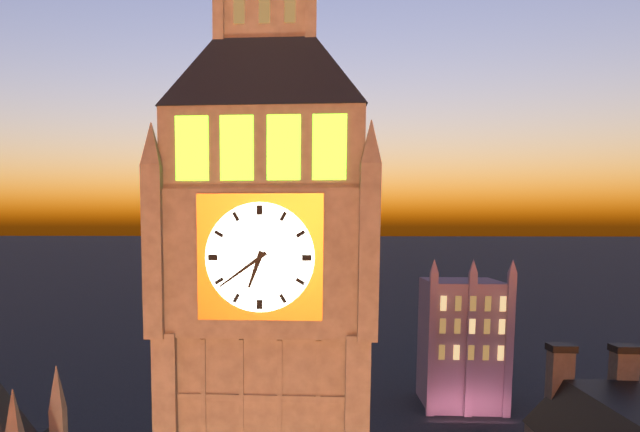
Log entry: h=6 m=39
